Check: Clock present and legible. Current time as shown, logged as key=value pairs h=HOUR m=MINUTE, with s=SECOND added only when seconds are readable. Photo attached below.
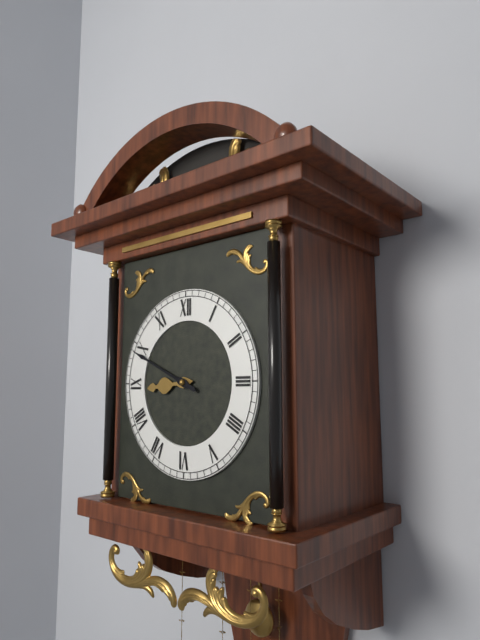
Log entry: h=8 m=49
